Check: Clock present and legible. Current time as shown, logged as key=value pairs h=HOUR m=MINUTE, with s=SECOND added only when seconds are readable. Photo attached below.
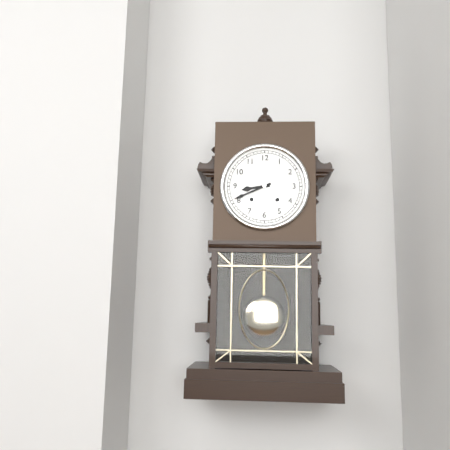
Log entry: h=8 m=41
